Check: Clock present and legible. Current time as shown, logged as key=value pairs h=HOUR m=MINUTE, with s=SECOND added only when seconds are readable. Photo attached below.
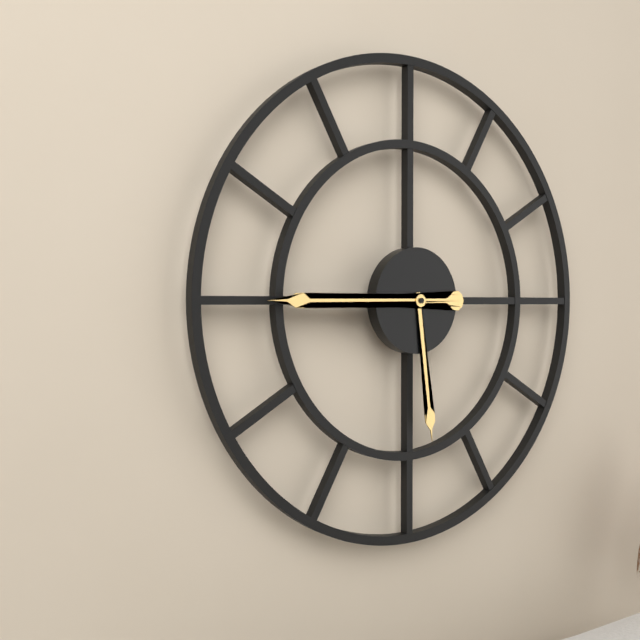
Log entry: h=5 m=45
